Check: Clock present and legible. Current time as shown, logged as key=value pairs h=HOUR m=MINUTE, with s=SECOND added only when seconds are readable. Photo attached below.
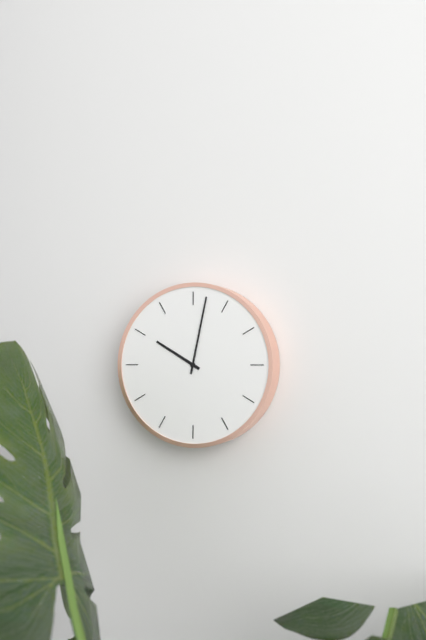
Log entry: h=10 m=2
